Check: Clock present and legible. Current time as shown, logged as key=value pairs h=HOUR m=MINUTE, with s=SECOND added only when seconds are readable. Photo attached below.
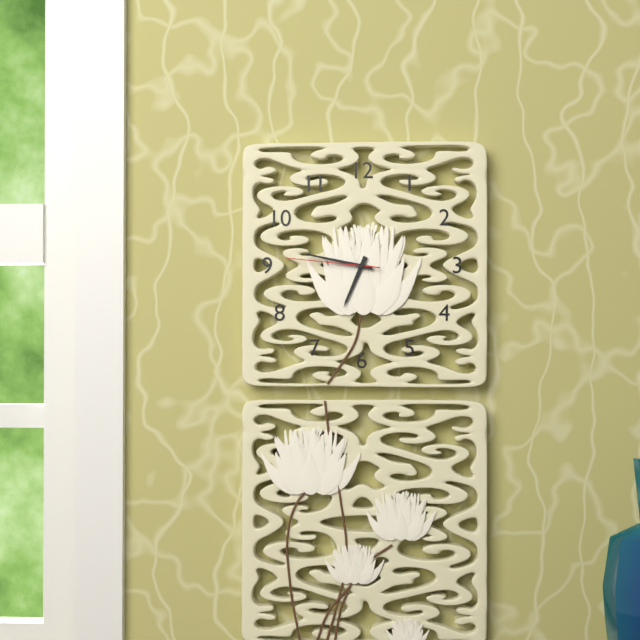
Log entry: h=6 m=47 s=46
